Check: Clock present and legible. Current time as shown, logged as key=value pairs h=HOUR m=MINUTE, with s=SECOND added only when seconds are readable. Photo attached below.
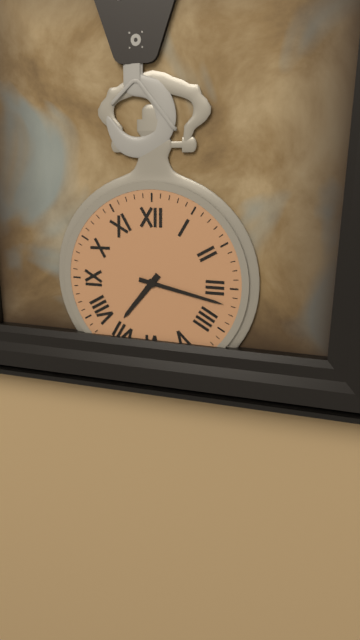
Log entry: h=7 m=17
